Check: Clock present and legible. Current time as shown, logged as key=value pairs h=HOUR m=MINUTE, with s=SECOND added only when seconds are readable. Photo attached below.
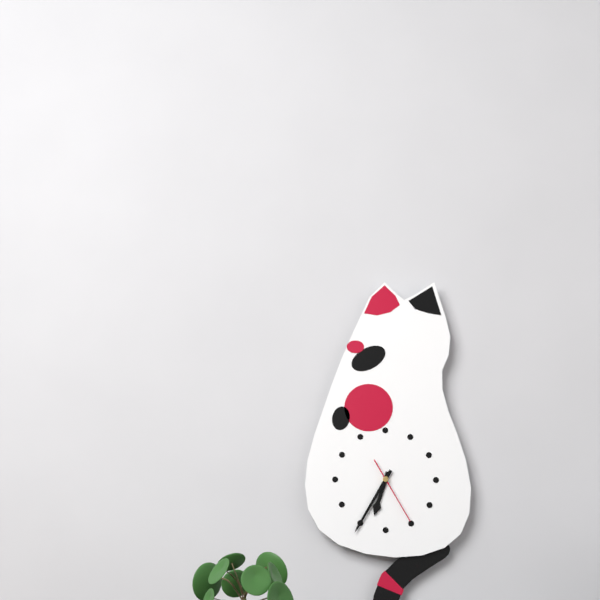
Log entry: h=6 m=35 s=25
